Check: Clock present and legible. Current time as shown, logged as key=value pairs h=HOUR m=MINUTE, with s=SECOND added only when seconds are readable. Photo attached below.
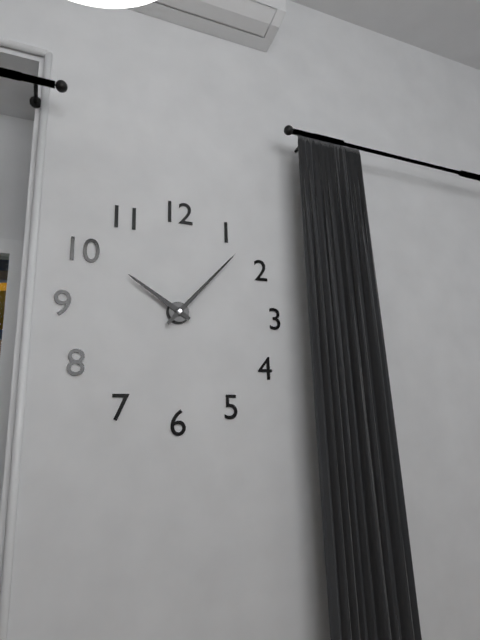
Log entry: h=10 m=7
